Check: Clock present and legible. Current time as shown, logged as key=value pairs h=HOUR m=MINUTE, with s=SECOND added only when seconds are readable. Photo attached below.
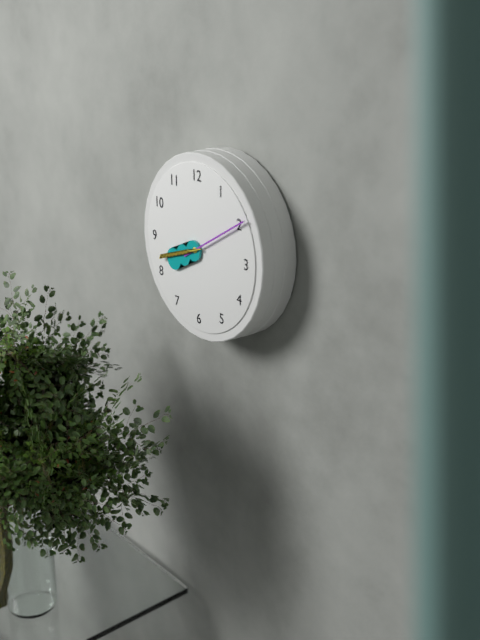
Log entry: h=8 m=10
